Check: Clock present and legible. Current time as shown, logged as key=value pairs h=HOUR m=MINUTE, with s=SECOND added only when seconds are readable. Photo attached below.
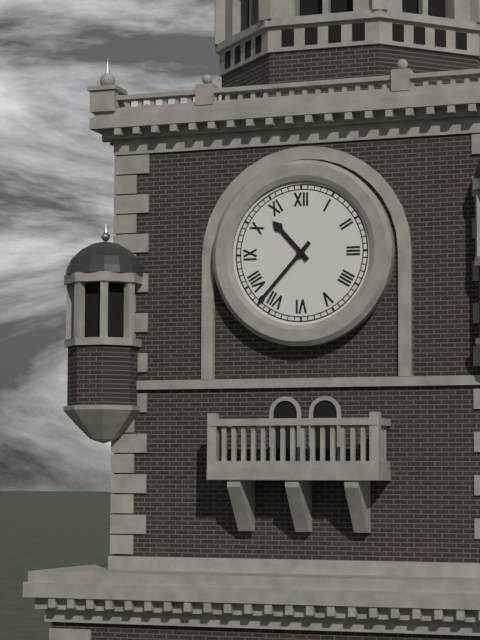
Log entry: h=10 m=37
